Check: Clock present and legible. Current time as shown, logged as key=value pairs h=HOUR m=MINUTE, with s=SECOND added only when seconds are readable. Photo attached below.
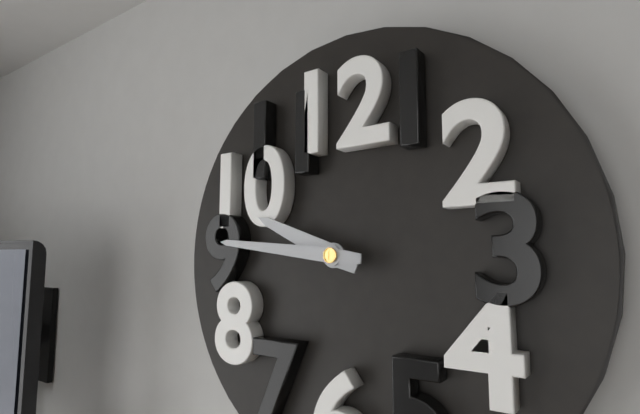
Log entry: h=9 m=46
